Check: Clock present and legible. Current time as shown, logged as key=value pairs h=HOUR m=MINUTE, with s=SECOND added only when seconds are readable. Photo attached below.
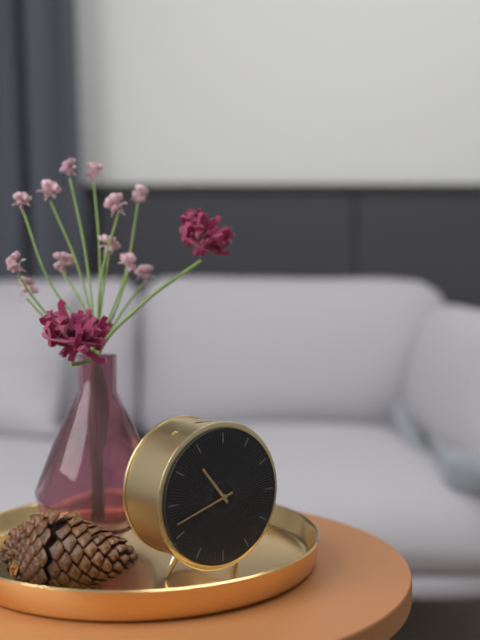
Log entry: h=10 m=42
